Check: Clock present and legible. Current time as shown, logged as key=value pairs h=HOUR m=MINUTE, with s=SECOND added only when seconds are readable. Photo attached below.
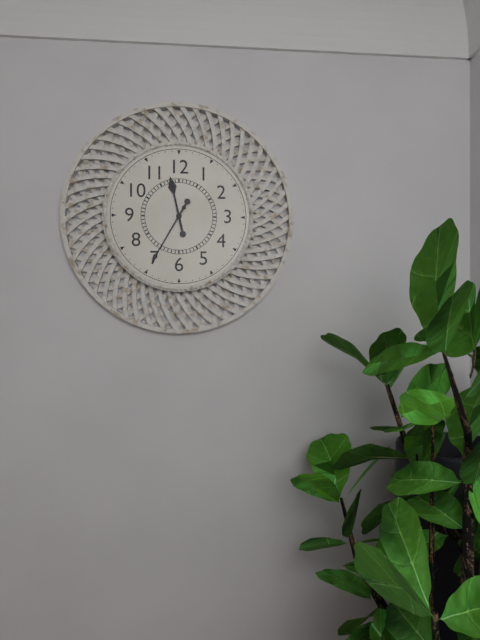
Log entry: h=11 m=35
